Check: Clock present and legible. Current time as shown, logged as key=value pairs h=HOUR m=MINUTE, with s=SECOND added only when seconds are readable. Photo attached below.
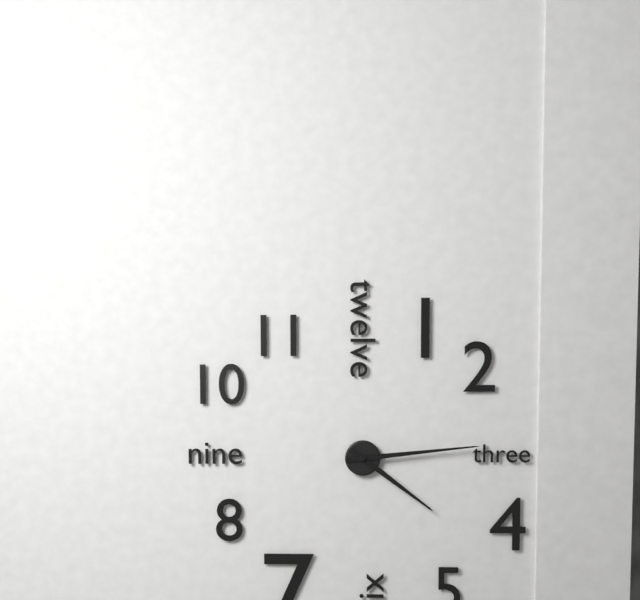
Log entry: h=4 m=14
